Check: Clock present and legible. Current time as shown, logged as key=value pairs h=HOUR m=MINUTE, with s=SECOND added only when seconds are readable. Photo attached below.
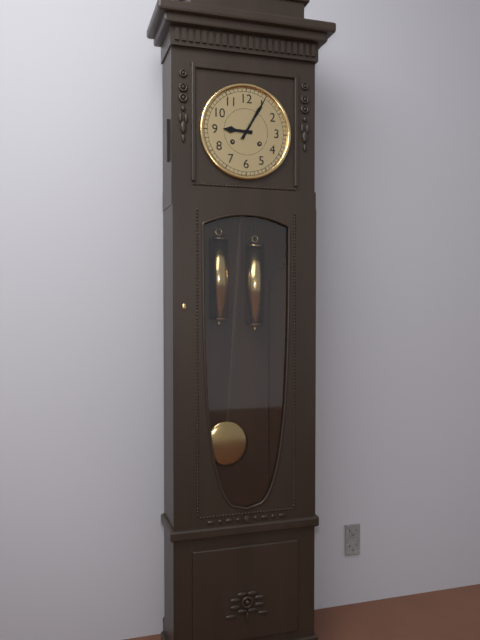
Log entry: h=9 m=5
